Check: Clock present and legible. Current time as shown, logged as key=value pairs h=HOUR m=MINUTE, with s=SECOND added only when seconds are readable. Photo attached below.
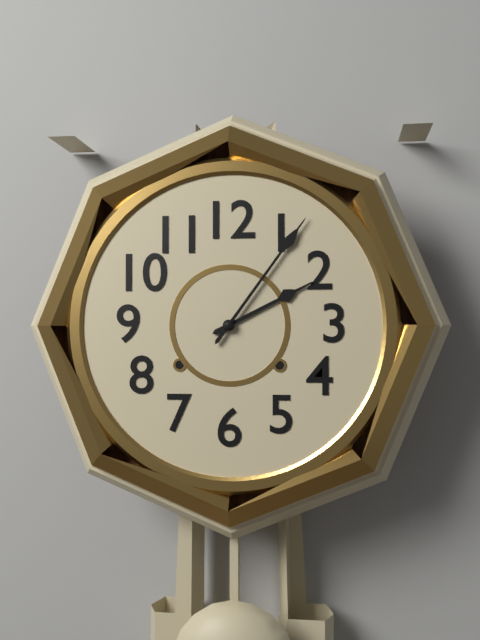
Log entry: h=2 m=6
